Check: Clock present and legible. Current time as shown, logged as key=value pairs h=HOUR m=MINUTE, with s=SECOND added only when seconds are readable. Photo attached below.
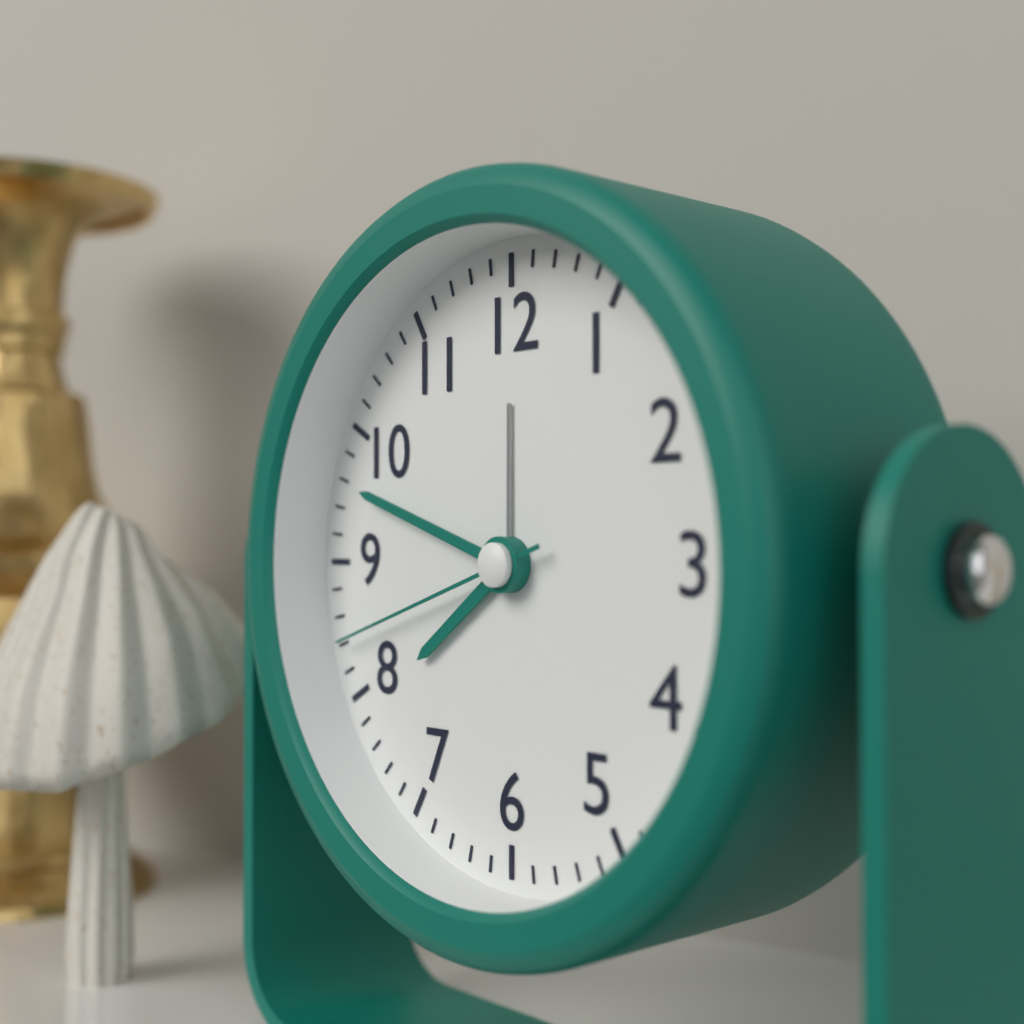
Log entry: h=7 m=48 s=42
